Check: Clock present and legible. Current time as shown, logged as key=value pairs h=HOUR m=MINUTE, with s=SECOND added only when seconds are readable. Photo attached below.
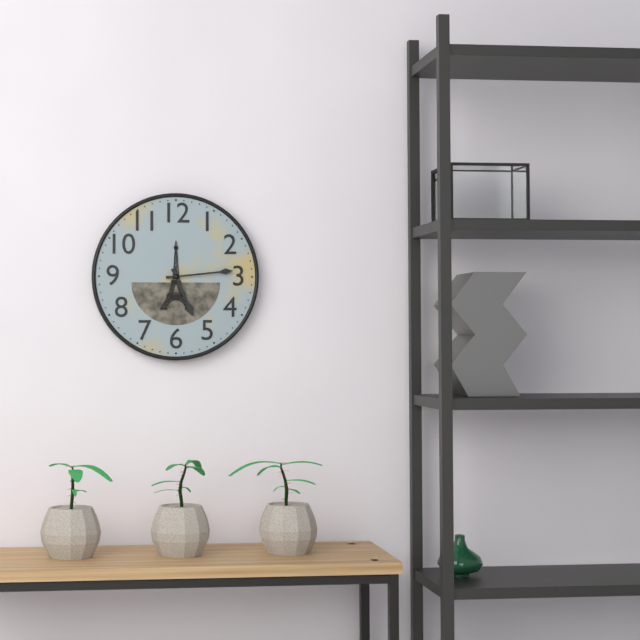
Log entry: h=5 m=14
